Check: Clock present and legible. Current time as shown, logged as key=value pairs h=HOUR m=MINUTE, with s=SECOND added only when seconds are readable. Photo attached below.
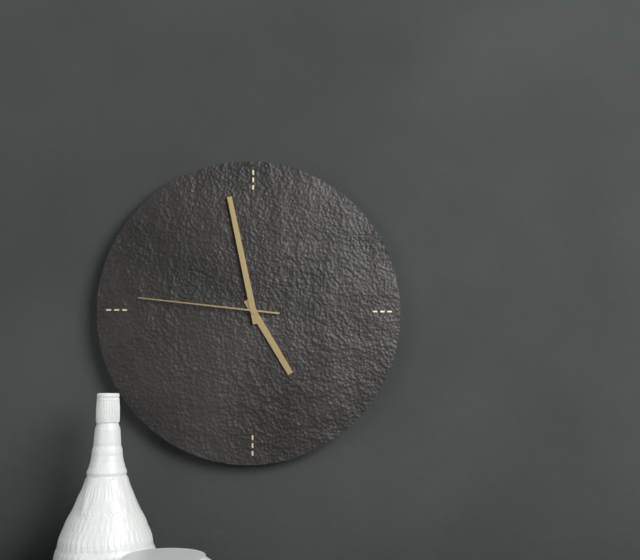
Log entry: h=4 m=58 s=46
